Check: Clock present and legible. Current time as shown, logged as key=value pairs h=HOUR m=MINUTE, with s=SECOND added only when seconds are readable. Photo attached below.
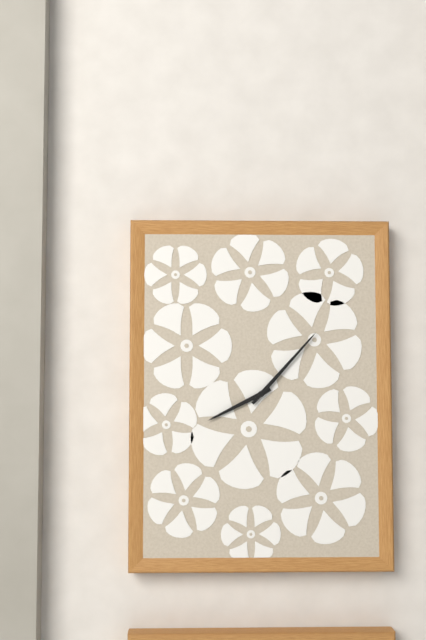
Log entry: h=8 m=7
